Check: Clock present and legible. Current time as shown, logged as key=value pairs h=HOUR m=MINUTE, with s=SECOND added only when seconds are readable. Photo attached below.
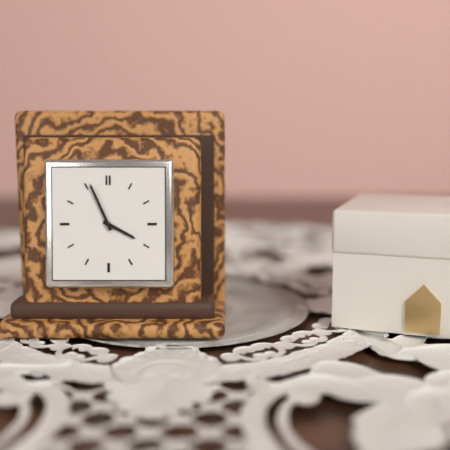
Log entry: h=3 m=56
